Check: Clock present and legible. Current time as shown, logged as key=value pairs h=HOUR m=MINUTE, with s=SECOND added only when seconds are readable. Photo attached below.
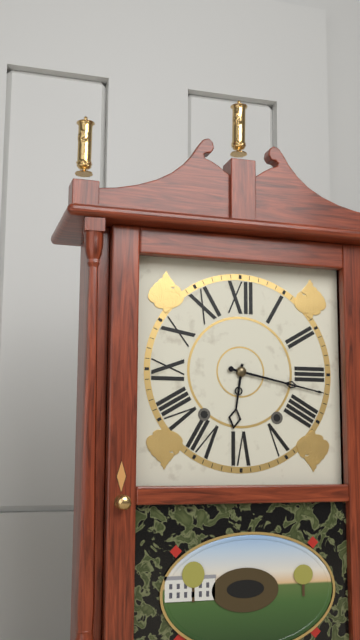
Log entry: h=6 m=17
